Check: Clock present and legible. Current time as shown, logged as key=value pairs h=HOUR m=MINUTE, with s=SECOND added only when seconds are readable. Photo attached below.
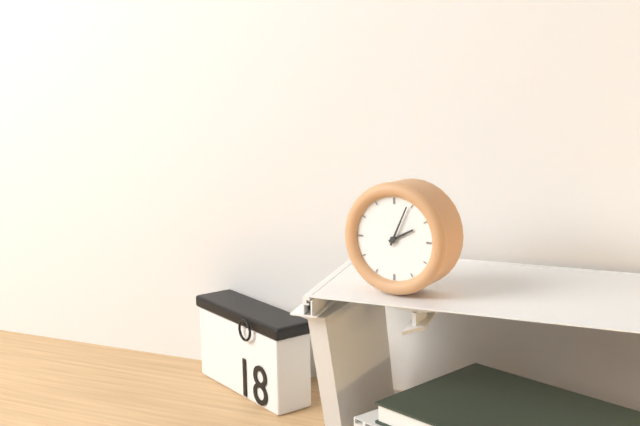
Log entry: h=2 m=4
